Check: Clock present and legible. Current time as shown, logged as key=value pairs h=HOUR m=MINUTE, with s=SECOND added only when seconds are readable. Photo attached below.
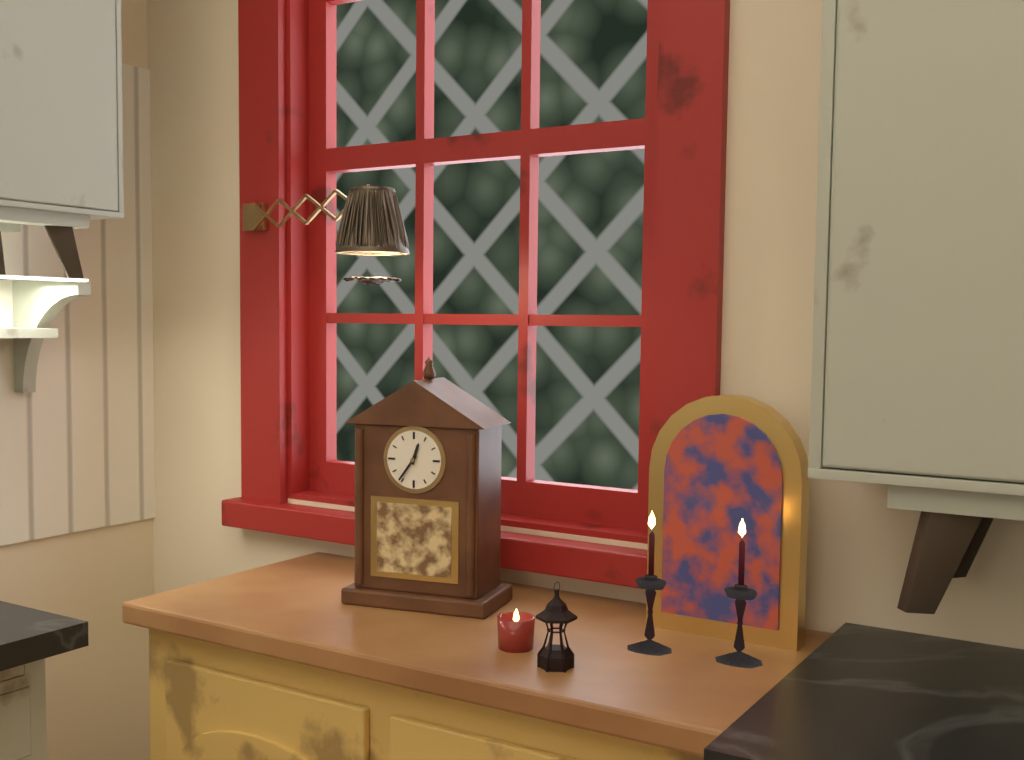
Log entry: h=12 m=36
